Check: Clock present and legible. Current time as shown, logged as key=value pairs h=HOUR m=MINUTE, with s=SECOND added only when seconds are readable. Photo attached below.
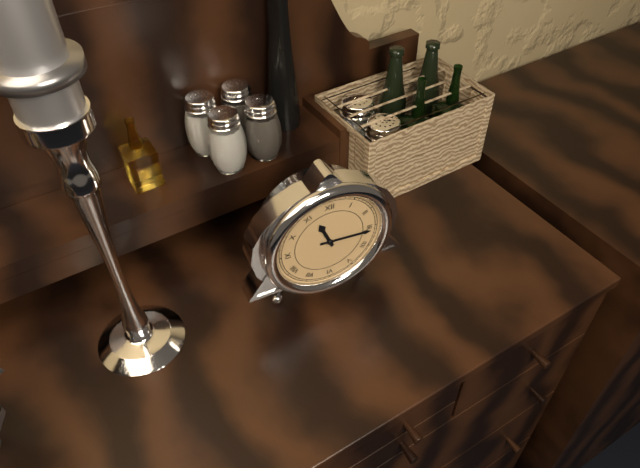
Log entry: h=11 m=16
